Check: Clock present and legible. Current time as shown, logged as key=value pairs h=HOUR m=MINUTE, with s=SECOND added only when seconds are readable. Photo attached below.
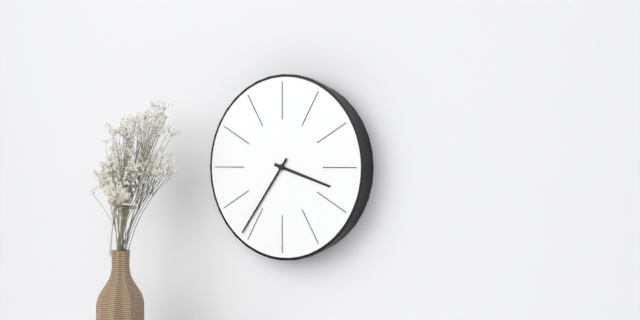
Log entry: h=3 m=36
